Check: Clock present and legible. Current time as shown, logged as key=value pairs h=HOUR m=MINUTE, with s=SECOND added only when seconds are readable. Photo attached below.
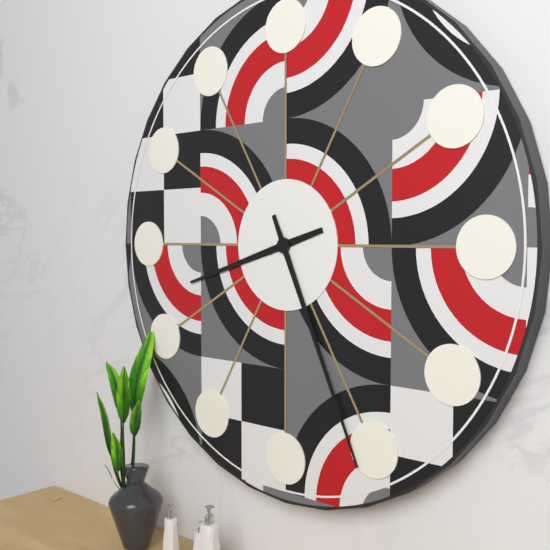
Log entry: h=8 m=26
